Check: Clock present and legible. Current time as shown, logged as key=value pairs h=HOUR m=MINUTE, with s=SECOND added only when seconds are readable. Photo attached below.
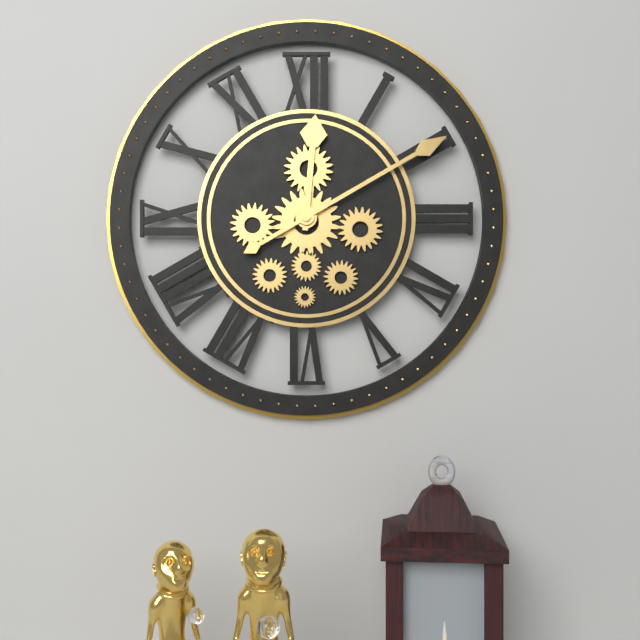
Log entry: h=12 m=10
